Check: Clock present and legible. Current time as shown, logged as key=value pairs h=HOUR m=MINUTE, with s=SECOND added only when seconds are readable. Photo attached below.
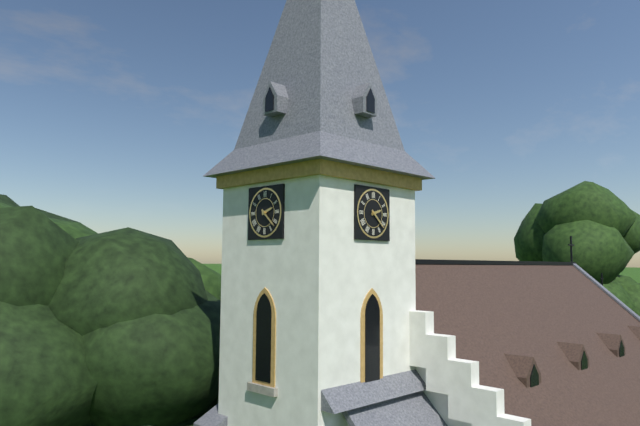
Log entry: h=2 m=22
